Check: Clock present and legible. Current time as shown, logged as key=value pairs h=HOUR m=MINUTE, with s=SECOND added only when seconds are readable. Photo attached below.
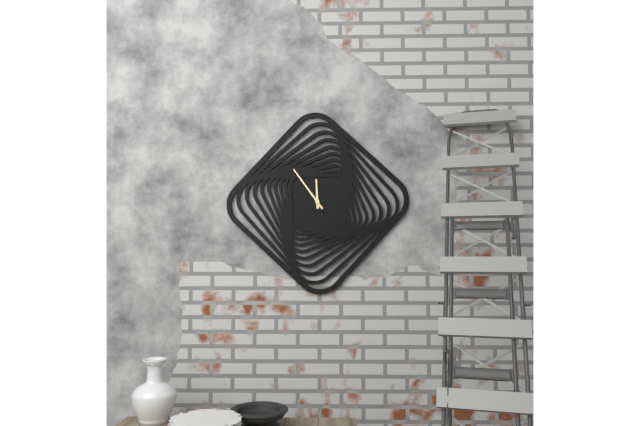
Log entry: h=11 m=54
